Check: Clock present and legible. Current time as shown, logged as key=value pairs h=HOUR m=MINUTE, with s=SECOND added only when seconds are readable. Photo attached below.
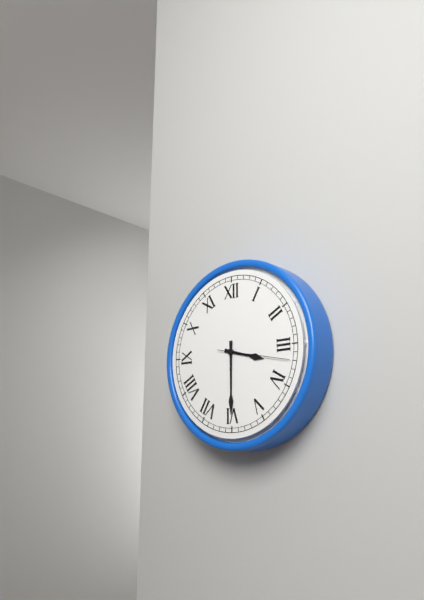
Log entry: h=3 m=30 s=17
